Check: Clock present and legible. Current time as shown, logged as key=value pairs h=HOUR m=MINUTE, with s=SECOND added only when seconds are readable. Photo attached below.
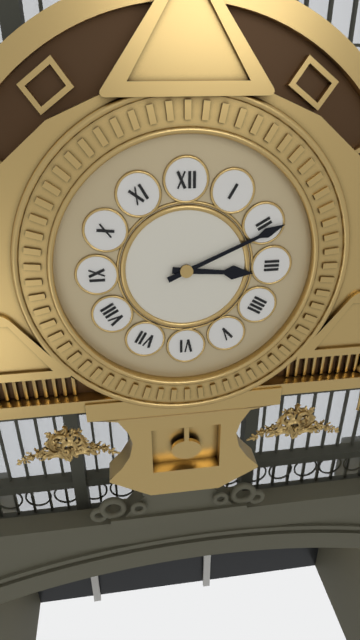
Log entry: h=3 m=11
